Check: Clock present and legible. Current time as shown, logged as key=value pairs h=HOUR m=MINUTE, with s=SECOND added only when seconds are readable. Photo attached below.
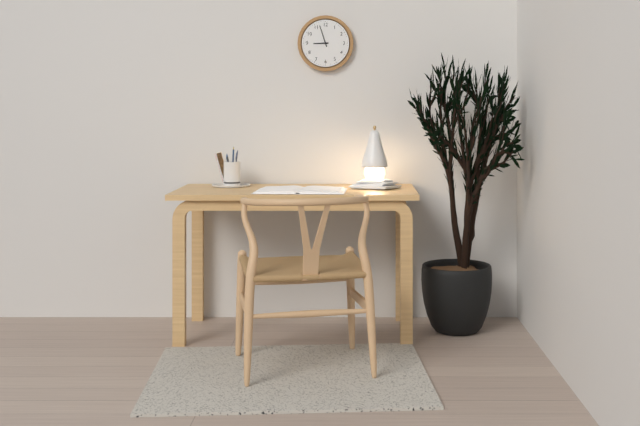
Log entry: h=8 m=57
